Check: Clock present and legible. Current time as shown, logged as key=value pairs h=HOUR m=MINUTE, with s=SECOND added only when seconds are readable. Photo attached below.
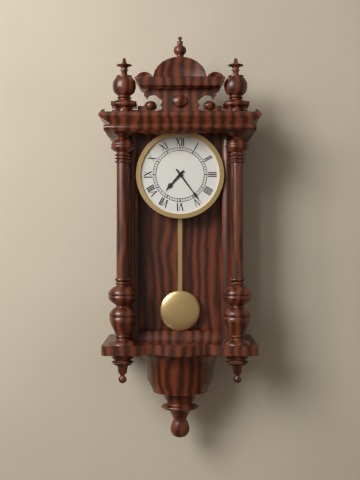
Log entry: h=7 m=24
